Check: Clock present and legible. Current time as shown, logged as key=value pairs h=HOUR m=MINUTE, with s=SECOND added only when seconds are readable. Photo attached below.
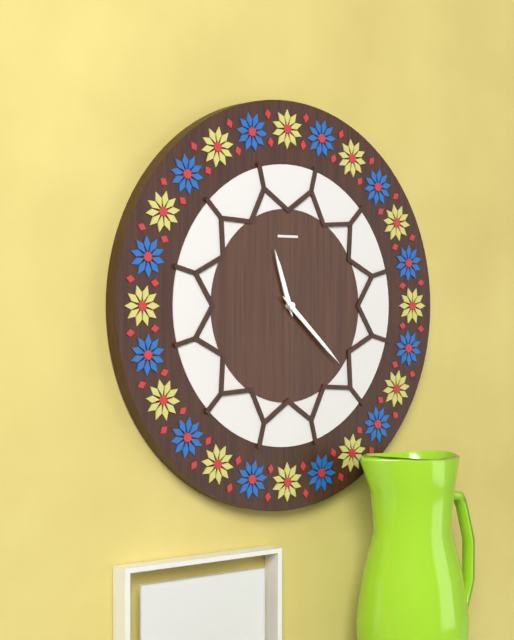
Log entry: h=11 m=22
